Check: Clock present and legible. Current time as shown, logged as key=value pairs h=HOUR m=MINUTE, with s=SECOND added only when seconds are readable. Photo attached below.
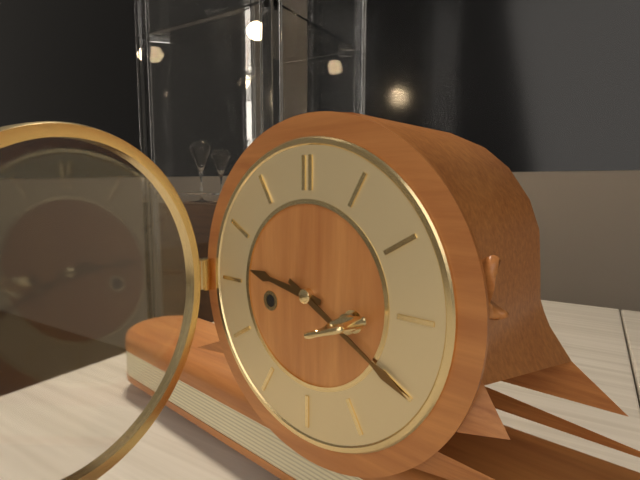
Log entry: h=9 m=20
